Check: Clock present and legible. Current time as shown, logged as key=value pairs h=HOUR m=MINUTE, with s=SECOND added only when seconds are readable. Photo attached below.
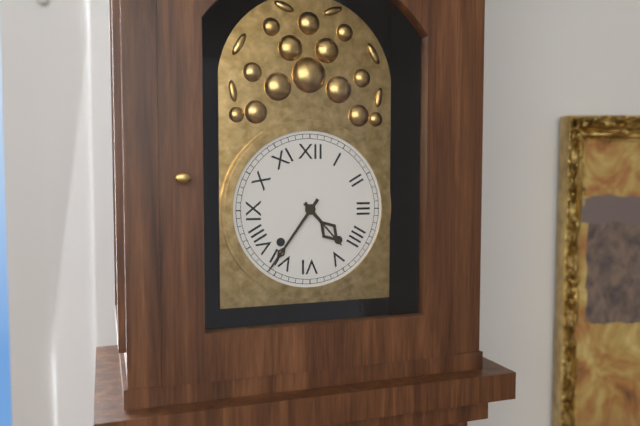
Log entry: h=4 m=36
